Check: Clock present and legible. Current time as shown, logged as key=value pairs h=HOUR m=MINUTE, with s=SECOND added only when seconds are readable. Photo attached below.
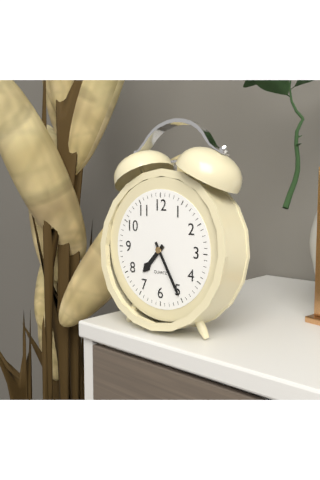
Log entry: h=7 m=25
